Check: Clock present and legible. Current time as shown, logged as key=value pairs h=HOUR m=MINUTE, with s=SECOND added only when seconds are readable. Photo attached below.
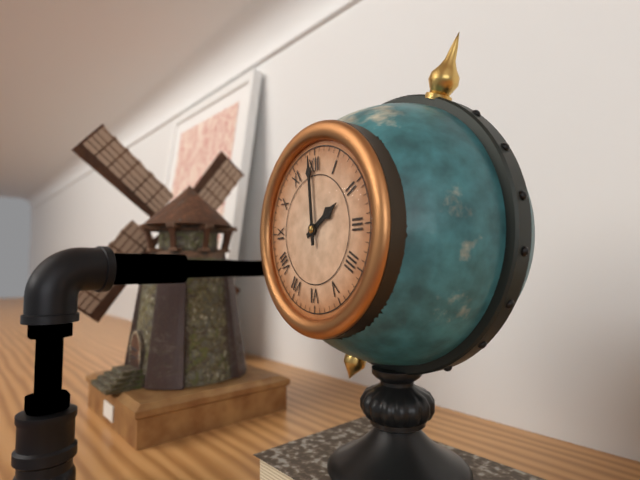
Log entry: h=1 m=59
